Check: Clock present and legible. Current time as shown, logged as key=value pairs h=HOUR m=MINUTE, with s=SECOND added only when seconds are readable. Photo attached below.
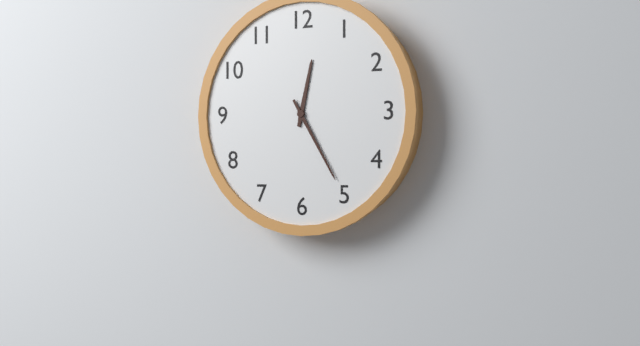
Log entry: h=12 m=25
